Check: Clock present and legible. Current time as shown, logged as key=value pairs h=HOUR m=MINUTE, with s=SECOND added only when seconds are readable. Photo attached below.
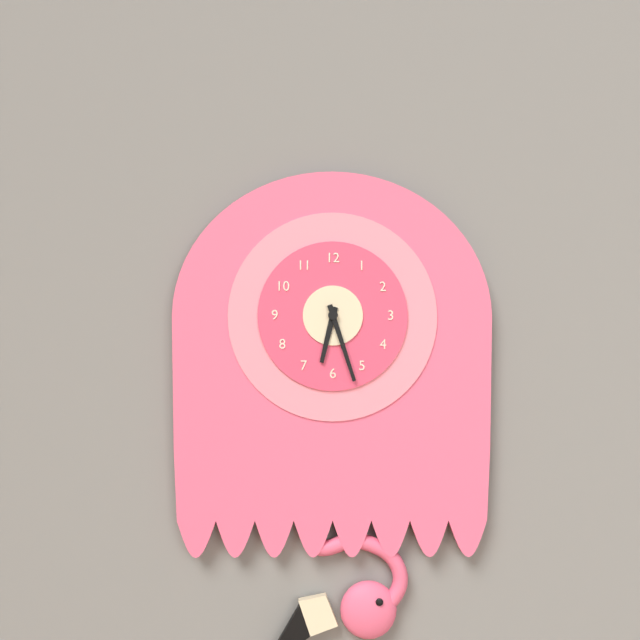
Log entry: h=6 m=27
